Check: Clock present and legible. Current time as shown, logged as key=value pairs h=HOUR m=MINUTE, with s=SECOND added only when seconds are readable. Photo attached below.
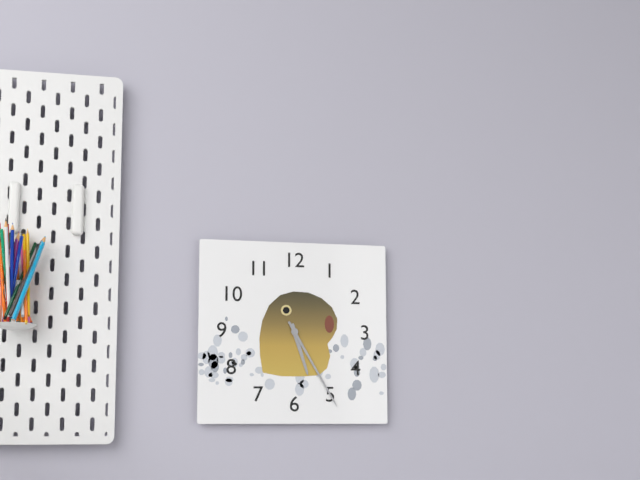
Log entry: h=5 m=25
